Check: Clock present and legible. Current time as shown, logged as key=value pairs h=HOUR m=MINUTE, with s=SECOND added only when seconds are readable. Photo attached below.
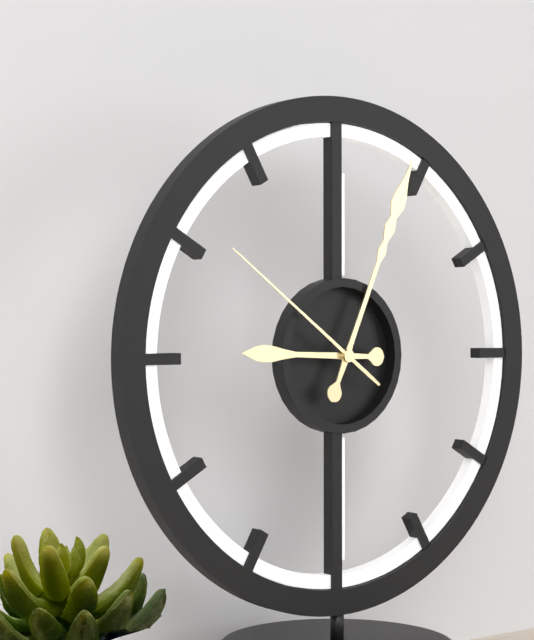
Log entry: h=9 m=4 s=51
